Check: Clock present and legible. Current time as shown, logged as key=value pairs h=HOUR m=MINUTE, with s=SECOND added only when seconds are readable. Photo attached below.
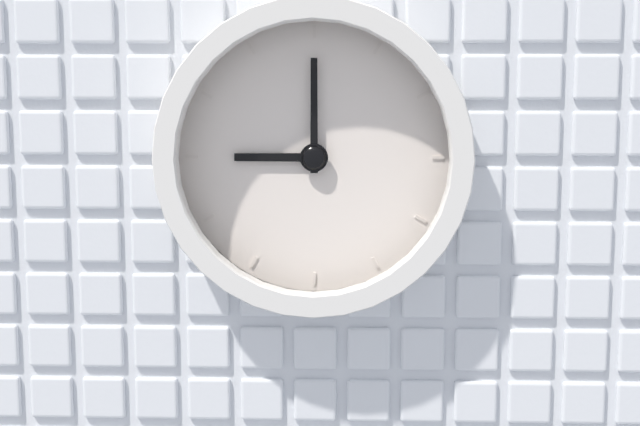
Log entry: h=9 m=0
